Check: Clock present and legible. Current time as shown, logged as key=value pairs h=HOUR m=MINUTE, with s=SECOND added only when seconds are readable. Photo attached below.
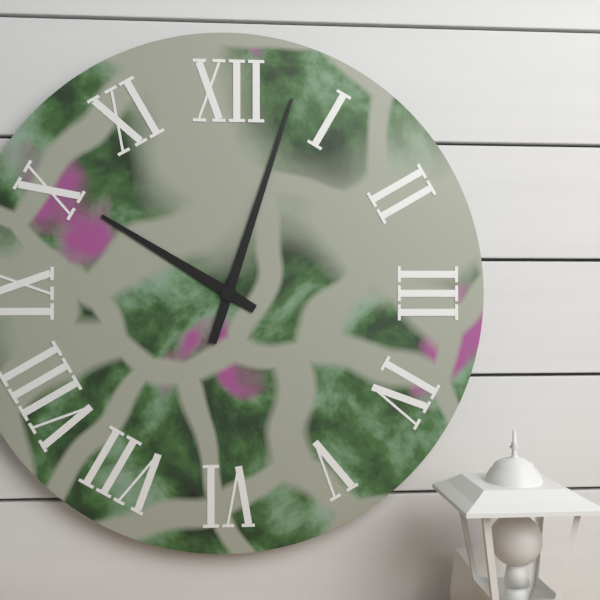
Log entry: h=10 m=3
